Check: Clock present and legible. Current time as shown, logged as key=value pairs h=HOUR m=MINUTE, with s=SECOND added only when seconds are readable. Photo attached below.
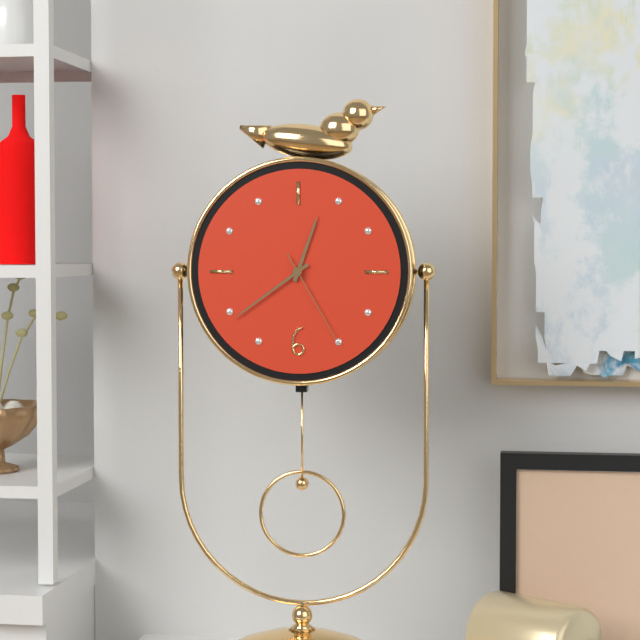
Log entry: h=12 m=39 s=25
